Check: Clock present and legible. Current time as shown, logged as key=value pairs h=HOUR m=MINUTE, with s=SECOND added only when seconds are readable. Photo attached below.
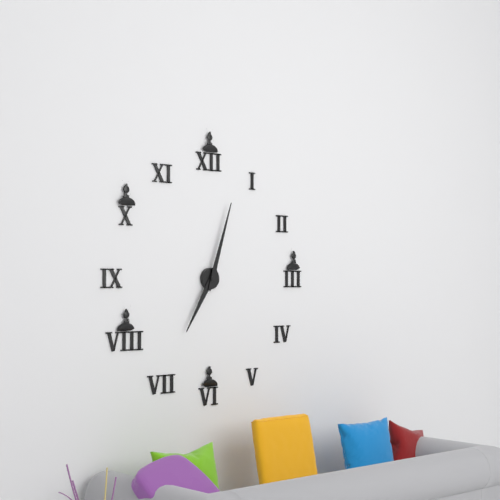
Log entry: h=7 m=3
